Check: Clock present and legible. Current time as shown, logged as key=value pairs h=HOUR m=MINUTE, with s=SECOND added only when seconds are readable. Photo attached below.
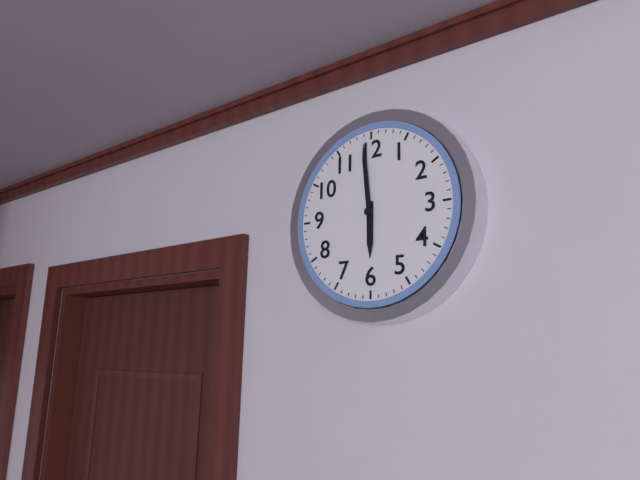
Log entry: h=5 m=59
